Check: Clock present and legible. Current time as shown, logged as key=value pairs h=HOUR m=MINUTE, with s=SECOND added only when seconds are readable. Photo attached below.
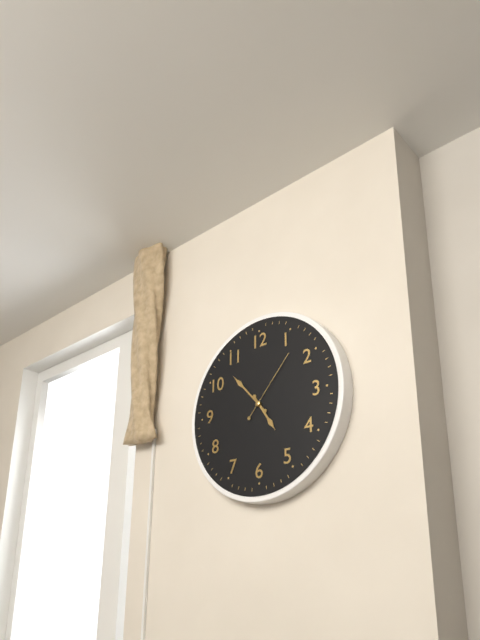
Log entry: h=4 m=53 s=7
